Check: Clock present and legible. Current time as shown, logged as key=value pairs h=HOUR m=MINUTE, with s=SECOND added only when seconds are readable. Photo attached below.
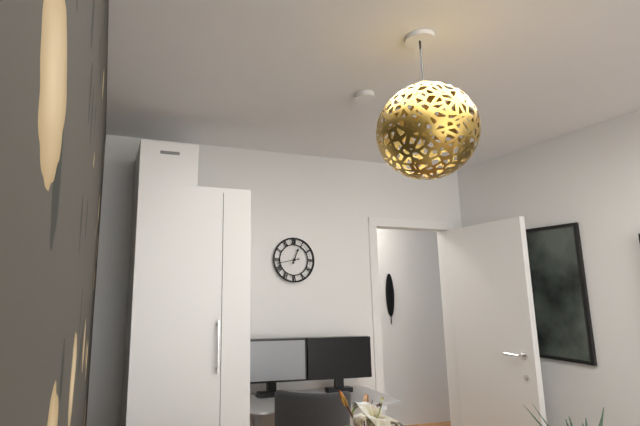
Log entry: h=12 m=43
